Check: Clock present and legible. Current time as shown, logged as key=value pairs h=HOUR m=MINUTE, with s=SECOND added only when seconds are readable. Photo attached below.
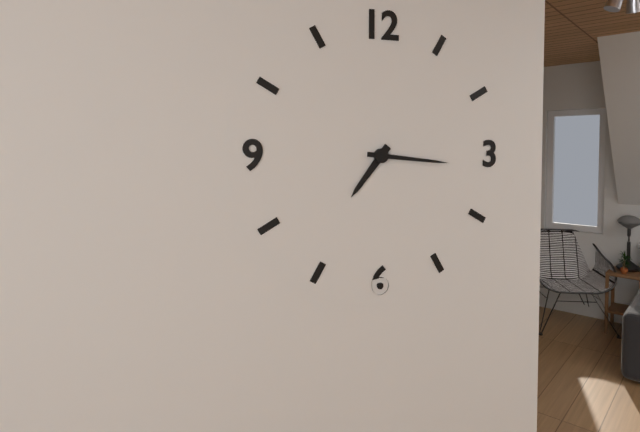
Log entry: h=7 m=16
